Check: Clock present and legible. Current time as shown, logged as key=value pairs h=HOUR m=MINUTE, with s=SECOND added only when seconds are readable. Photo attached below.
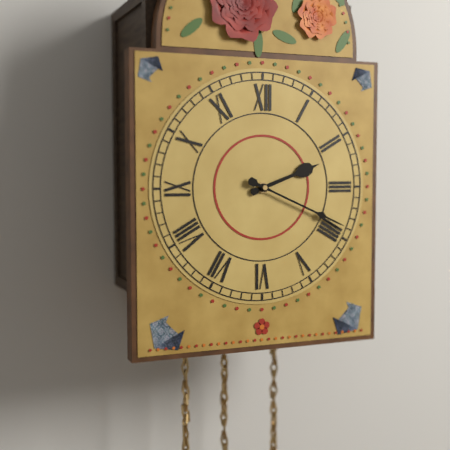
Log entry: h=2 m=19
